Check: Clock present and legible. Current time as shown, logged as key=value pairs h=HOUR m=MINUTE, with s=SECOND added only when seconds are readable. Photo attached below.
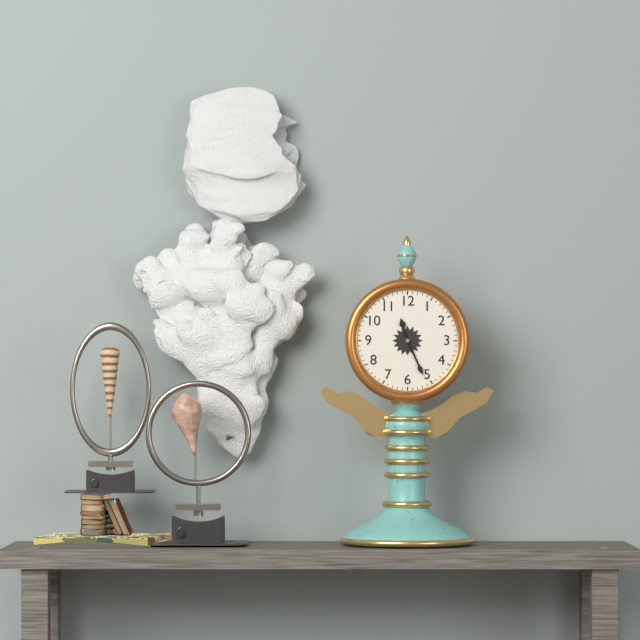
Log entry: h=11 m=26
